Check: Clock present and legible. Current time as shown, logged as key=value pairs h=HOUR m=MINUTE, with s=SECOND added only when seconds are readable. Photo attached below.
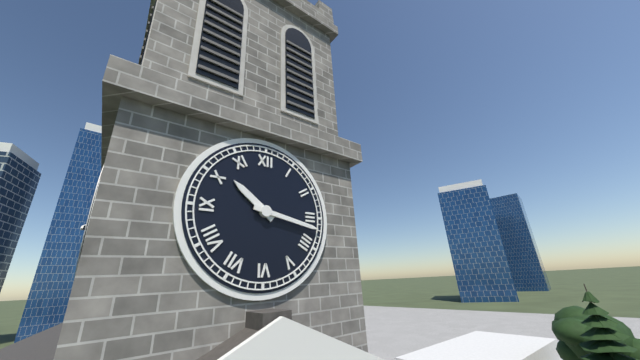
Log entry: h=10 m=17
